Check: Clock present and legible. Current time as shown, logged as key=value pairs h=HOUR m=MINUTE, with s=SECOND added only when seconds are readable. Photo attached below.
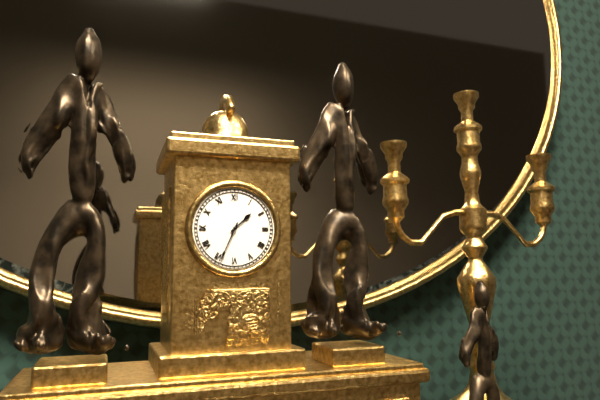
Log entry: h=1 m=34
